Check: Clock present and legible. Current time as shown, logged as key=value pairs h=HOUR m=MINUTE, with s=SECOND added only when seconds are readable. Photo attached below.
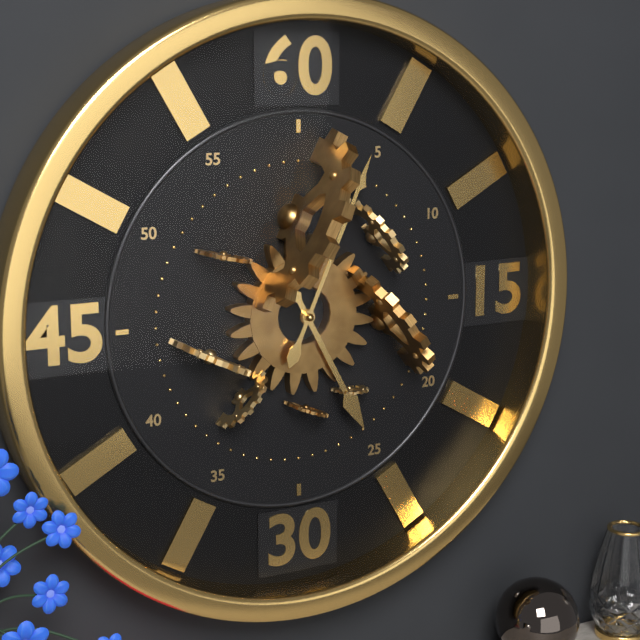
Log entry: h=5 m=4
